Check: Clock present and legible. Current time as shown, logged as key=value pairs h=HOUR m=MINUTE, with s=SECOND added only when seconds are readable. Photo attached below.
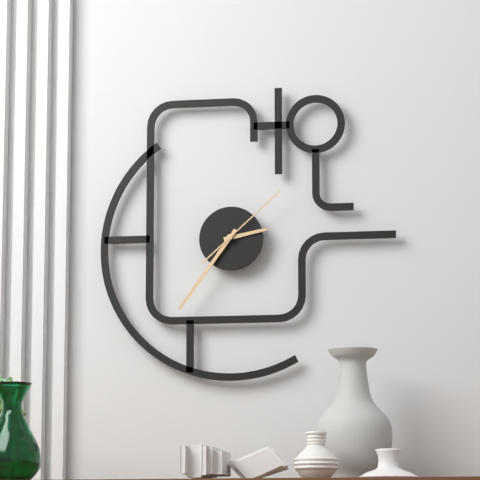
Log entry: h=2 m=36 s=8
